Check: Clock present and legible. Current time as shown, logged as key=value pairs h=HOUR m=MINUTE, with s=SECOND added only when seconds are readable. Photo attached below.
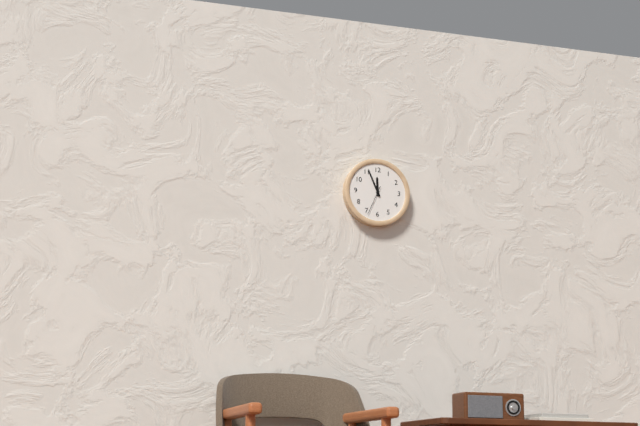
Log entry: h=11 m=56
